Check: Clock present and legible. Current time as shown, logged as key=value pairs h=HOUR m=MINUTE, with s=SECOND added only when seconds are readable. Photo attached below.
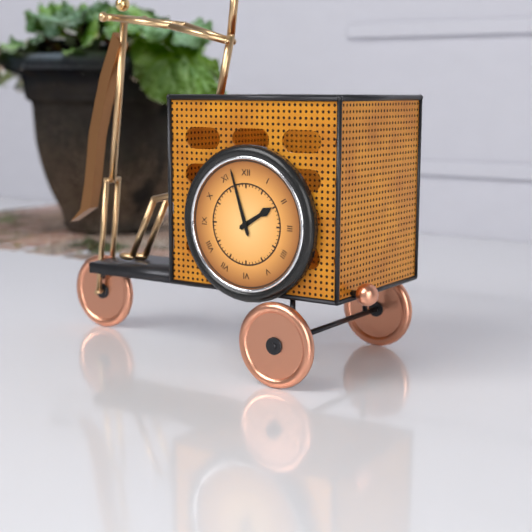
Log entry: h=1 m=57
